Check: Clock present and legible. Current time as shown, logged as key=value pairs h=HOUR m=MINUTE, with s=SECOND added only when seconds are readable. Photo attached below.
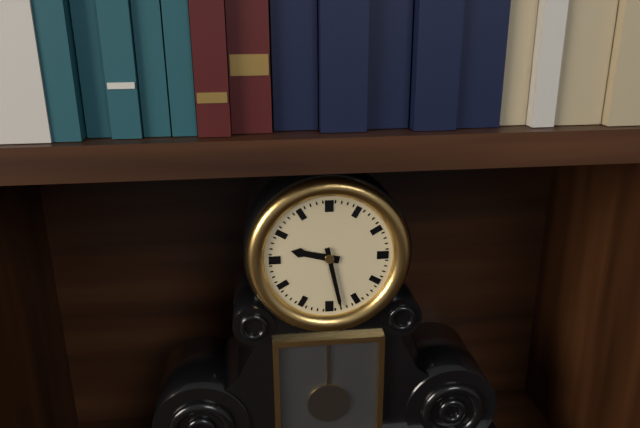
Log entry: h=9 m=28
